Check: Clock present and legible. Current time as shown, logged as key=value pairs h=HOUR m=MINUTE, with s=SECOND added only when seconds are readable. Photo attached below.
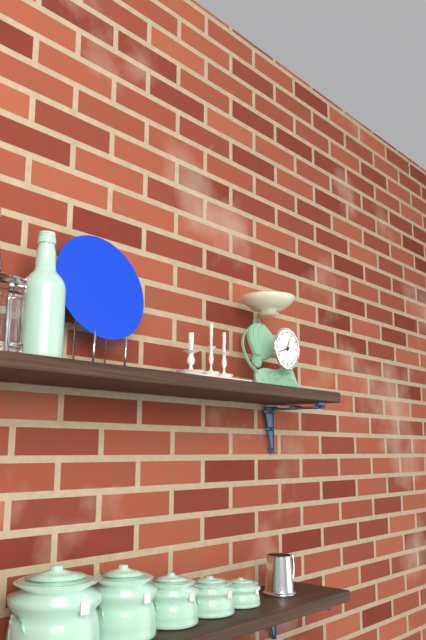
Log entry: h=12 m=42
